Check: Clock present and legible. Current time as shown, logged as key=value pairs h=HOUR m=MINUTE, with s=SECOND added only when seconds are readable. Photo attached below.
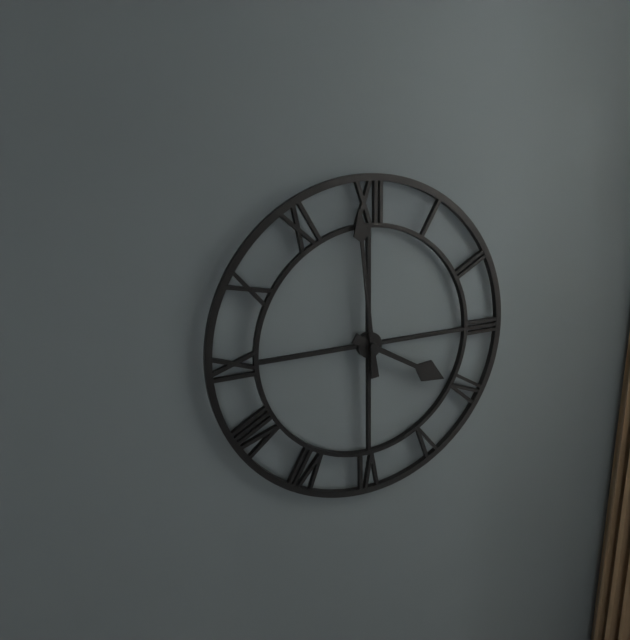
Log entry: h=3 m=59
